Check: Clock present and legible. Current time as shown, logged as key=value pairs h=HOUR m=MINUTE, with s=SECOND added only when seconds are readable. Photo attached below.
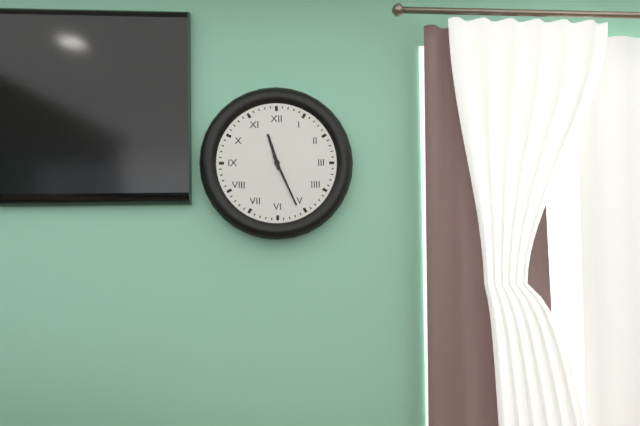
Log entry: h=11 m=26
